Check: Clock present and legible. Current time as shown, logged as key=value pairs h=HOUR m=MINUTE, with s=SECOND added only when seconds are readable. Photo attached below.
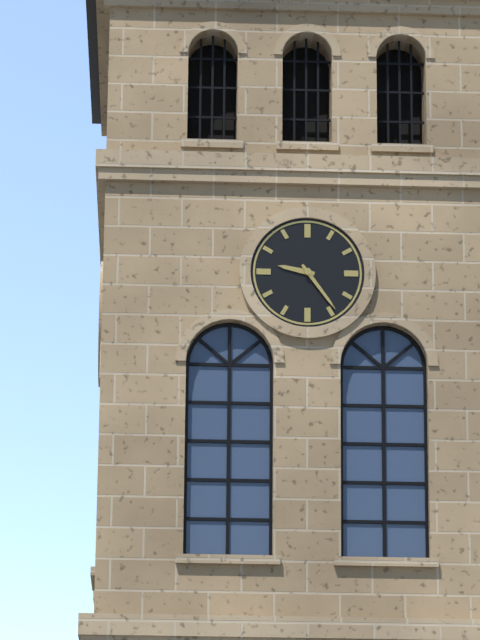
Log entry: h=9 m=24
